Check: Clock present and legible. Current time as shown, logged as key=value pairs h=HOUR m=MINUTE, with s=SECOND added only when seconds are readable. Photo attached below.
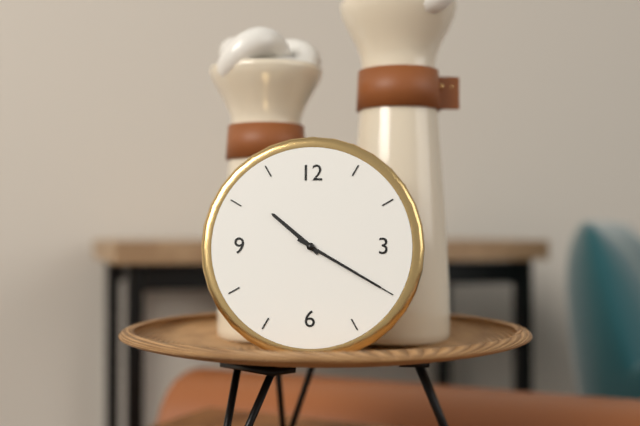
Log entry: h=10 m=20
